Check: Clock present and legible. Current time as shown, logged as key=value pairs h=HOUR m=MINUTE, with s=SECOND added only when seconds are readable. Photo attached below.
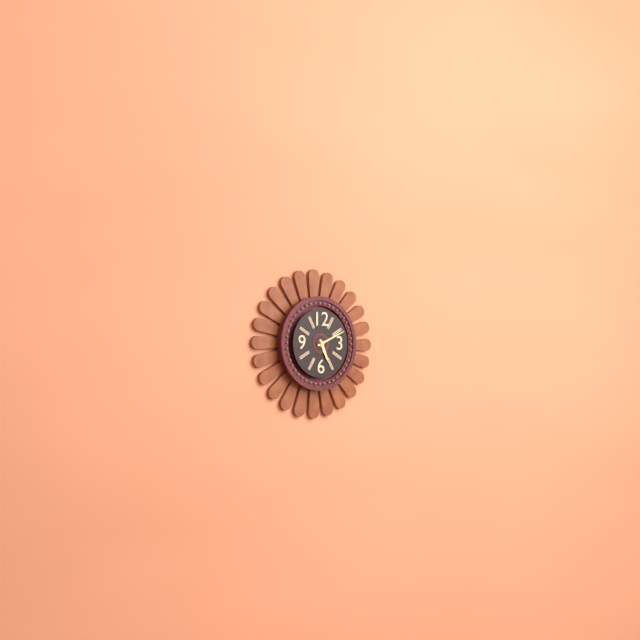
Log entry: h=5 m=11
